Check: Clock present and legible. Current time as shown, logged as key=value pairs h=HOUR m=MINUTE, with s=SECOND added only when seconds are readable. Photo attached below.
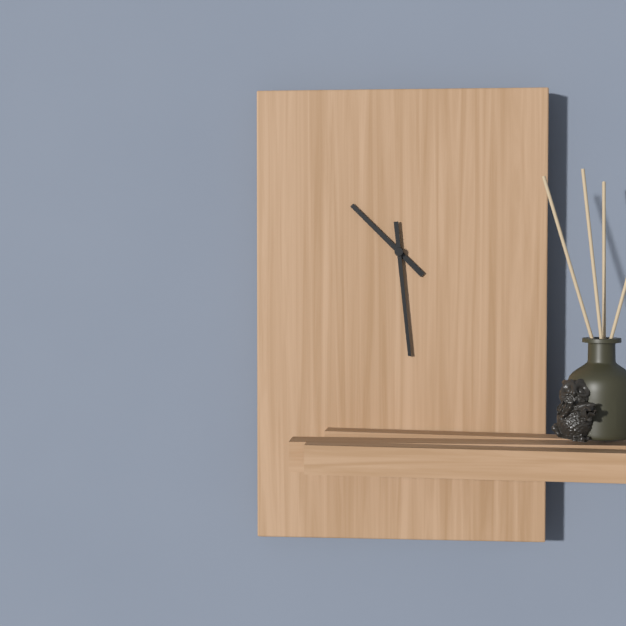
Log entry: h=10 m=29
